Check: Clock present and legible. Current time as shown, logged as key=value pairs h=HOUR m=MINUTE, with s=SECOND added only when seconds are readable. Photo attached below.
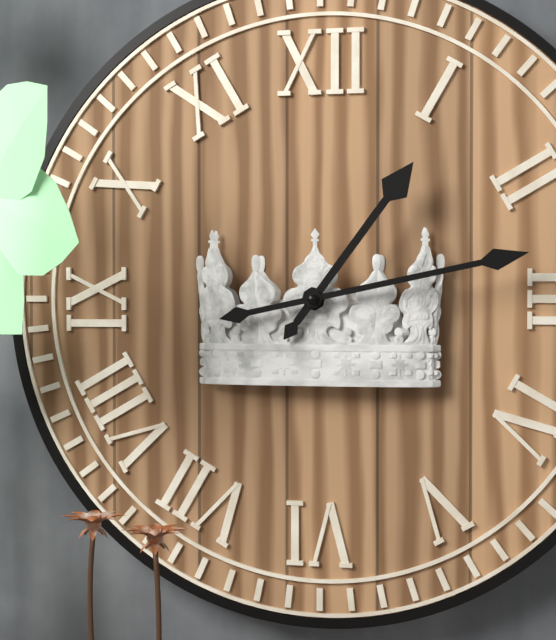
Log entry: h=1 m=13
